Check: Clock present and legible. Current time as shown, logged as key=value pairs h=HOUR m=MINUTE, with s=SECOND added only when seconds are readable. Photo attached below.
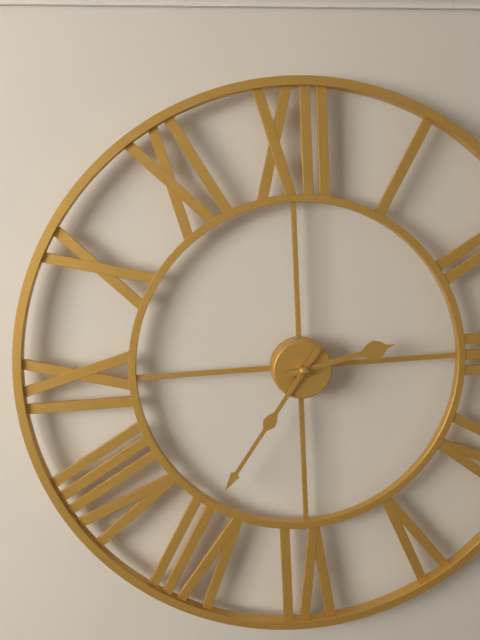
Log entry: h=2 m=36
